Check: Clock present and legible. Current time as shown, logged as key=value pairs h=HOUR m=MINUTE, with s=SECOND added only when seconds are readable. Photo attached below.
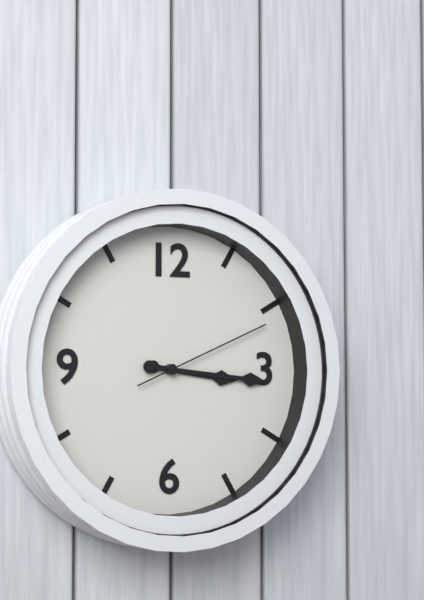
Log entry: h=3 m=16 s=11
